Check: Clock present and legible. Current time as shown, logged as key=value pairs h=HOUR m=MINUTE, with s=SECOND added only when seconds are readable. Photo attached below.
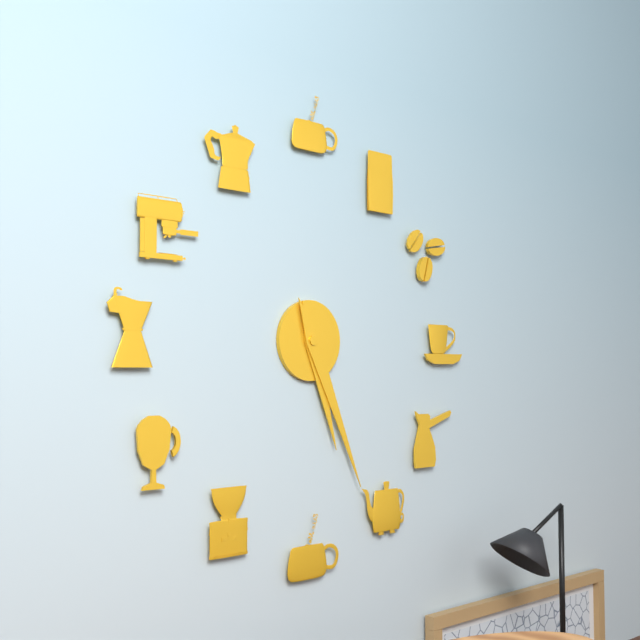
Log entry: h=5 m=26
